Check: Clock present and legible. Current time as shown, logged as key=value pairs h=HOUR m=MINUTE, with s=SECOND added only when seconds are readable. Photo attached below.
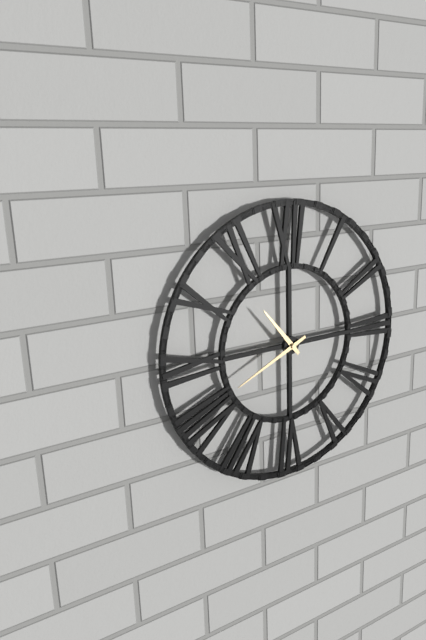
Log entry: h=10 m=41
